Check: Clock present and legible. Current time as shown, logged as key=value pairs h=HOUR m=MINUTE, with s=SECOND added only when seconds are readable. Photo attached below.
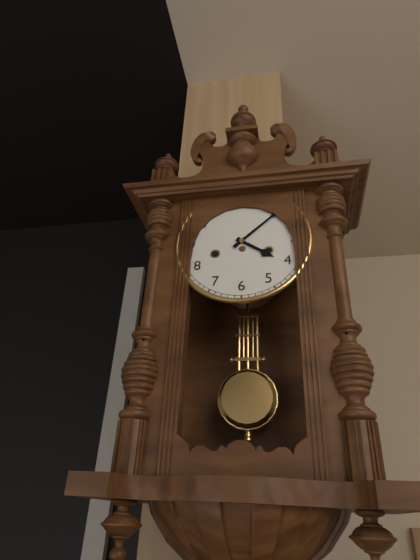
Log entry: h=4 m=8
